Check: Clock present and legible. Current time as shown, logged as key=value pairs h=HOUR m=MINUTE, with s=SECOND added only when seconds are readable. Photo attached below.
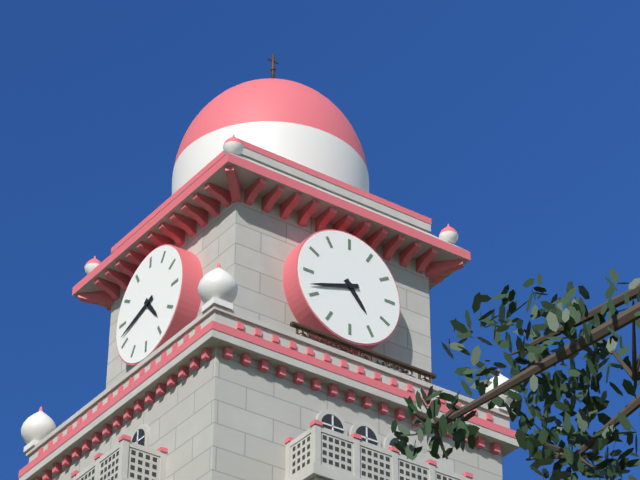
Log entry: h=4 m=42
